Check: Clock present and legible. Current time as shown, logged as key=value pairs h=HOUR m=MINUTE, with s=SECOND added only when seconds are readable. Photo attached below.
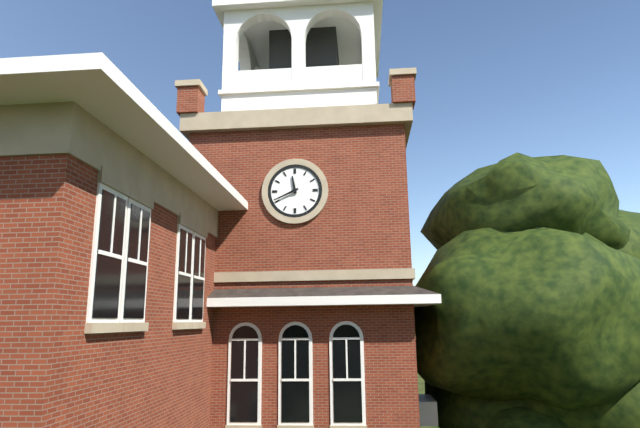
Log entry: h=11 m=41
